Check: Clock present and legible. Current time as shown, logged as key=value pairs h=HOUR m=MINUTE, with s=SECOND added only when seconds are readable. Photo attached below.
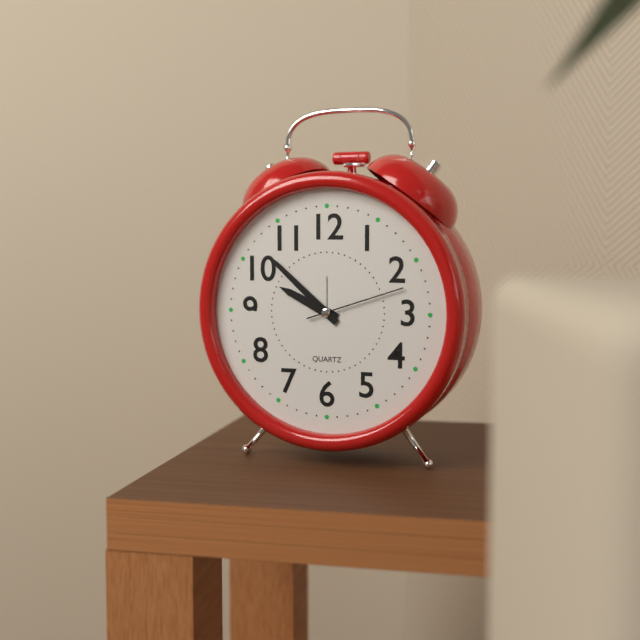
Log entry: h=9 m=52 s=12
